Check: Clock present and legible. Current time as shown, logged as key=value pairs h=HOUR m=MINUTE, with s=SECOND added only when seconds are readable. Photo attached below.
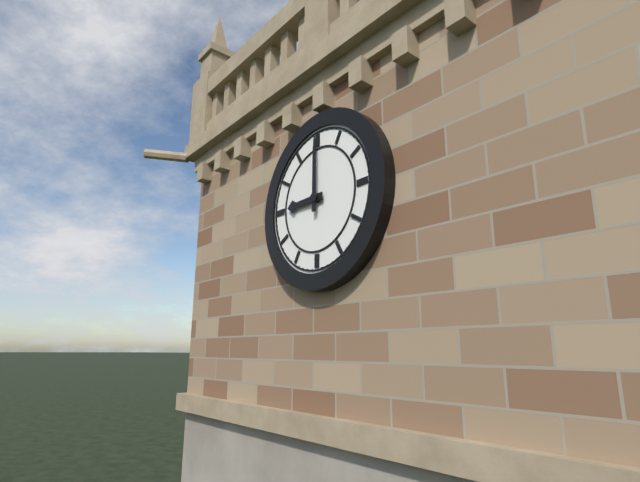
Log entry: h=9 m=0
